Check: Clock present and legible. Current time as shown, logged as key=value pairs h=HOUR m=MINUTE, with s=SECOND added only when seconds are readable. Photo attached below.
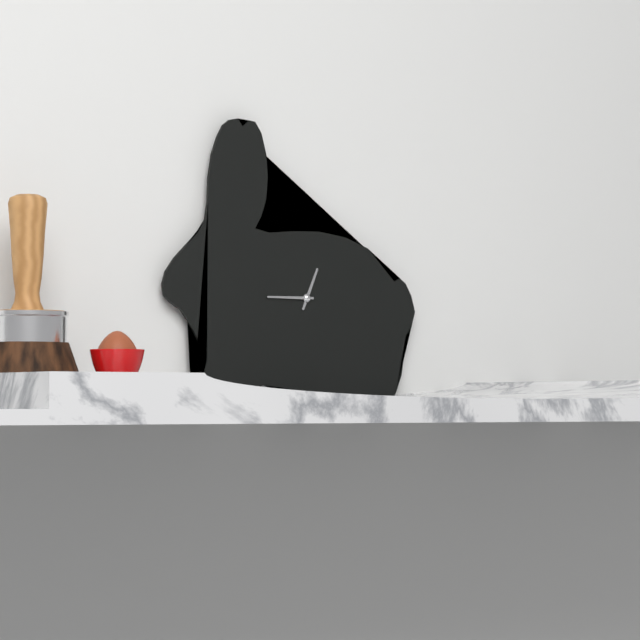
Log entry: h=12 m=45
